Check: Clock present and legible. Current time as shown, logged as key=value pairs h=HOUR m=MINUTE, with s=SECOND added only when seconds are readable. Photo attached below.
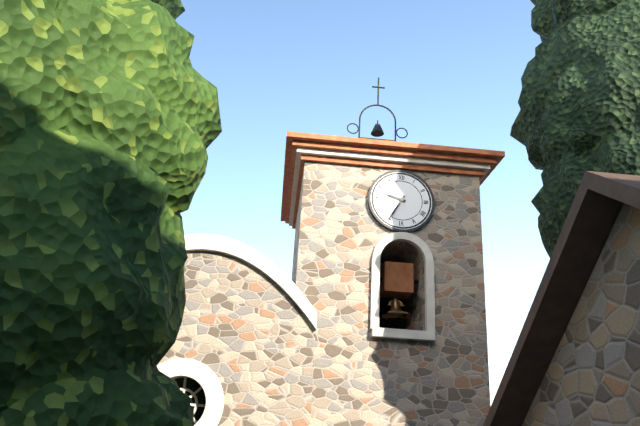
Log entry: h=9 m=35
